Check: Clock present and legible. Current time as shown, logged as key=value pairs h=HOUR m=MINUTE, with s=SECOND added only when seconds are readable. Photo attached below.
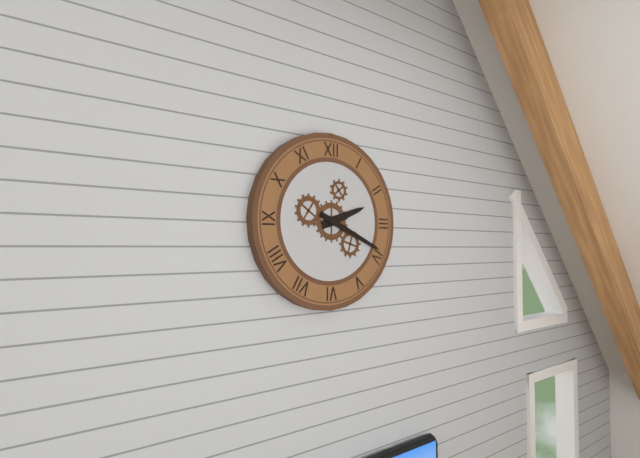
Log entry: h=2 m=19
